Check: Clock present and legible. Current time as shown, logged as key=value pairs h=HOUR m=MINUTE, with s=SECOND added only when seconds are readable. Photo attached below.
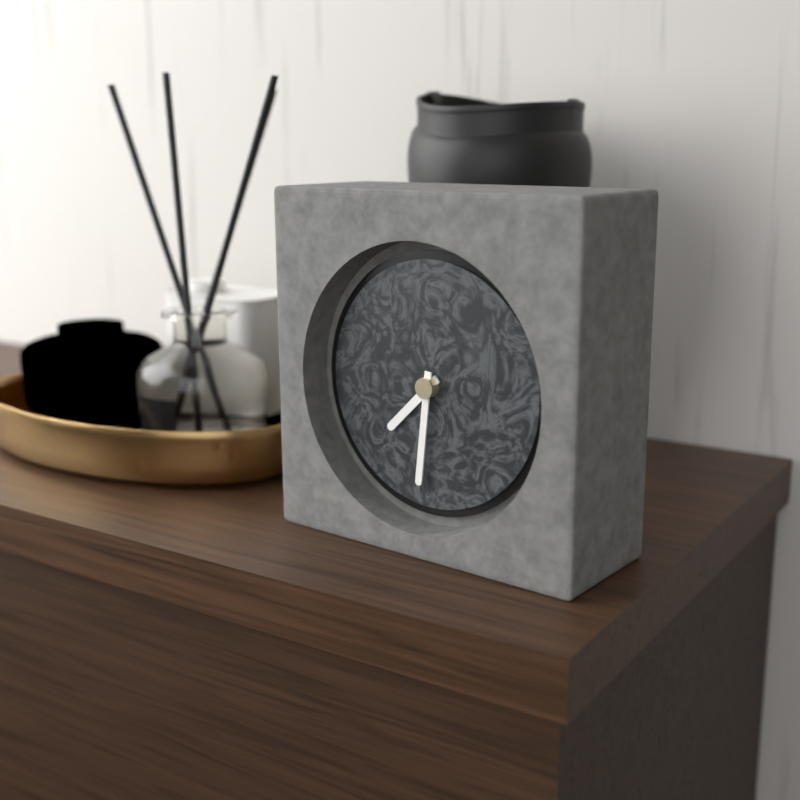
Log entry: h=7 m=31
